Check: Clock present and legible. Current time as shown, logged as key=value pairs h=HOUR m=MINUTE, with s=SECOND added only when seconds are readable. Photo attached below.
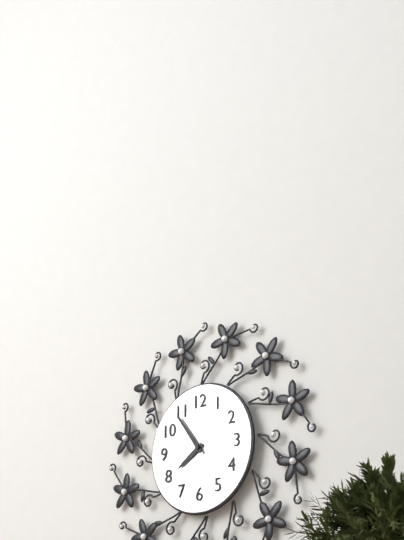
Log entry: h=7 m=54
